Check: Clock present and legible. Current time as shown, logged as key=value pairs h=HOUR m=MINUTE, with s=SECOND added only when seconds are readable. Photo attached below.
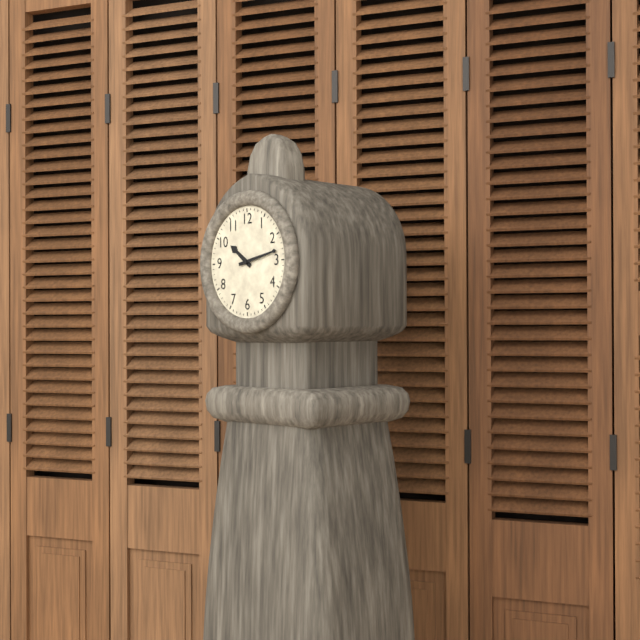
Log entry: h=10 m=13
